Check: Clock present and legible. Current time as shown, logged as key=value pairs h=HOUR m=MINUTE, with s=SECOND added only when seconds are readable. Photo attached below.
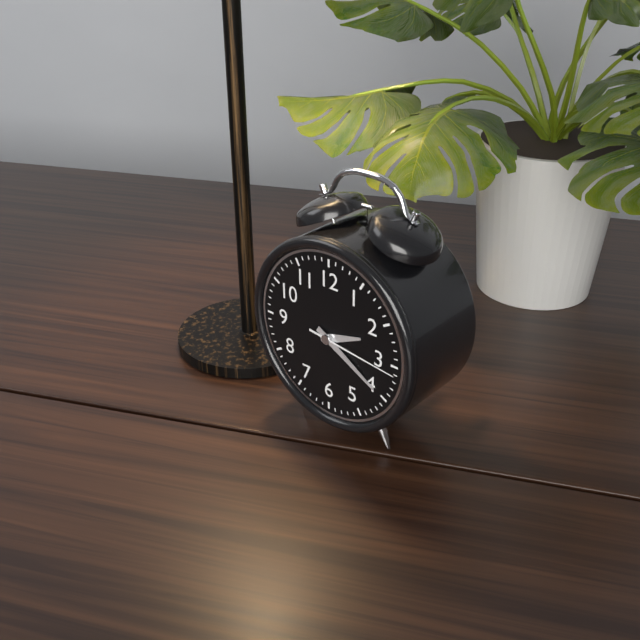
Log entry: h=2 m=20 s=16
